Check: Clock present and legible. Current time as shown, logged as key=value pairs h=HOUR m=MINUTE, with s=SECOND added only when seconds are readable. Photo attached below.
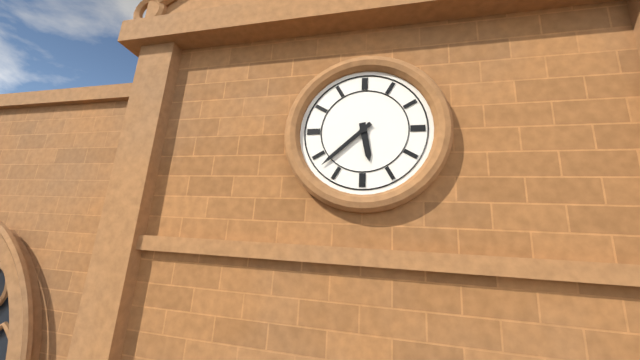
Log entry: h=5 m=38
